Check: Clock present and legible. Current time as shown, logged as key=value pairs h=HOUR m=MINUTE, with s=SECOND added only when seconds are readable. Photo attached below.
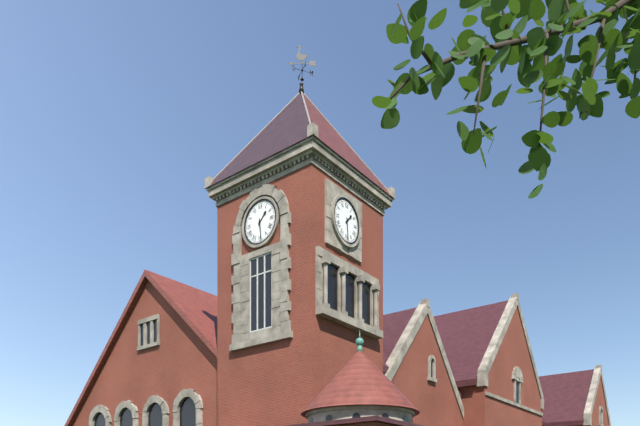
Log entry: h=1 m=29
